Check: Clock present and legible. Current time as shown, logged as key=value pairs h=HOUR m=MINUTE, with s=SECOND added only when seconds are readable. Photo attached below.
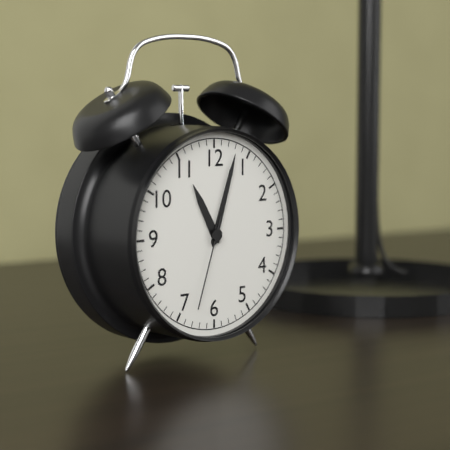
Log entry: h=11 m=3 s=33
